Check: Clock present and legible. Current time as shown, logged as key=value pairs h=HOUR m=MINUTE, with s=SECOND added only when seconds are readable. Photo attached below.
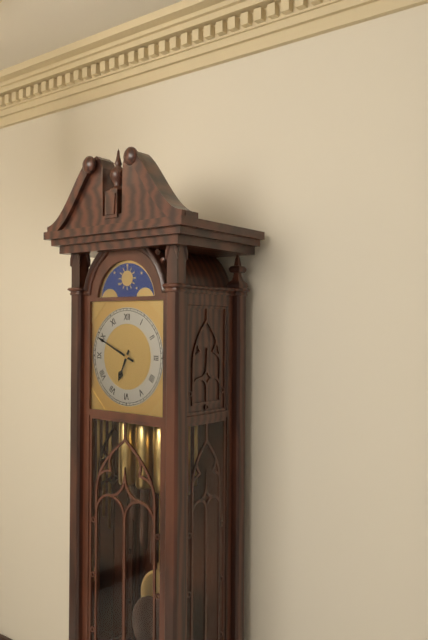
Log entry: h=6 m=49
